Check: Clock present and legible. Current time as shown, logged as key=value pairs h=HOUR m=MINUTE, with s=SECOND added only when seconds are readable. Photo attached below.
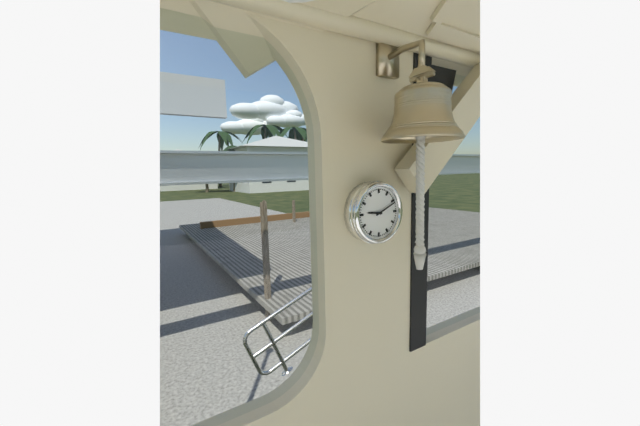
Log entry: h=9 m=11
